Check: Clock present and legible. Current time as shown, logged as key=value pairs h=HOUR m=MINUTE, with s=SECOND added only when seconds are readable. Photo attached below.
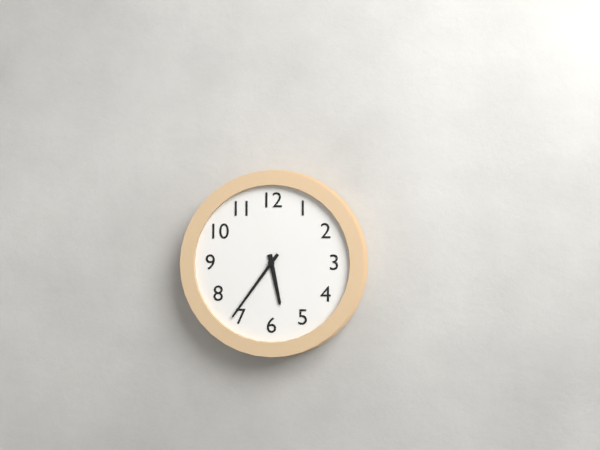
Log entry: h=5 m=36
